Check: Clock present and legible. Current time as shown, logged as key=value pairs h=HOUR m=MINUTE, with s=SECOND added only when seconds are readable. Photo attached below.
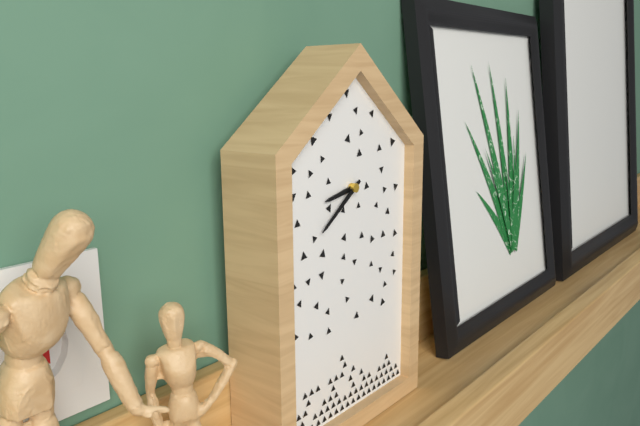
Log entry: h=8 m=39
